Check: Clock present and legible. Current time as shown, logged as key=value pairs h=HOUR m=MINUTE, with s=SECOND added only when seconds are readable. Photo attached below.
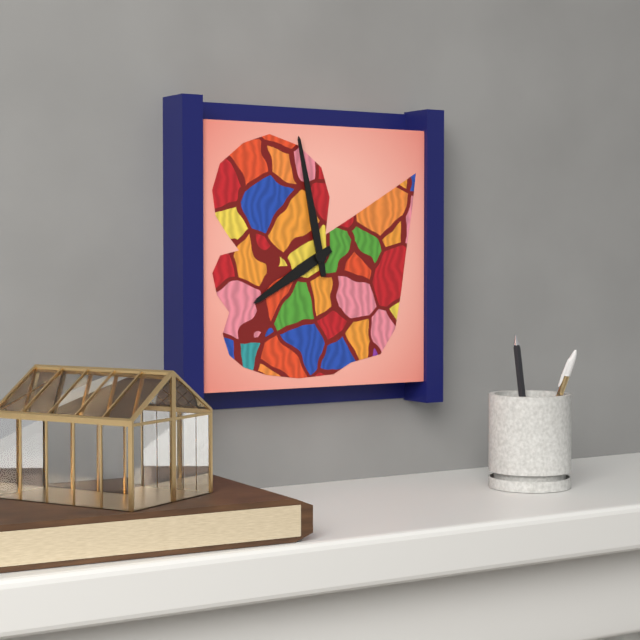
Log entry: h=7 m=58
